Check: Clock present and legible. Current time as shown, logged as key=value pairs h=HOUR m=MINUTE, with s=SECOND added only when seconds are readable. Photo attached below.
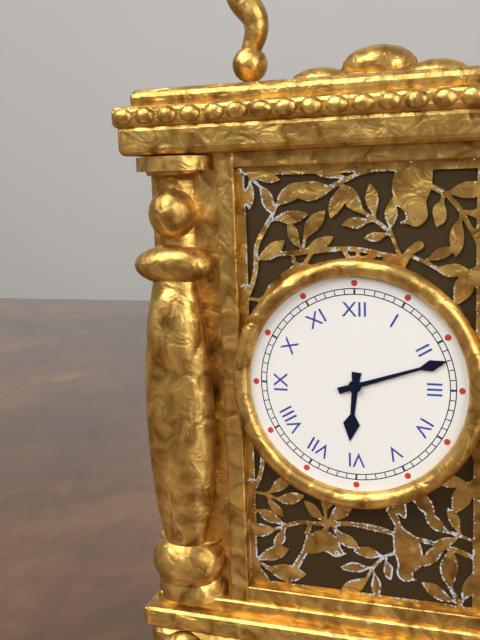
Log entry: h=6 m=12
